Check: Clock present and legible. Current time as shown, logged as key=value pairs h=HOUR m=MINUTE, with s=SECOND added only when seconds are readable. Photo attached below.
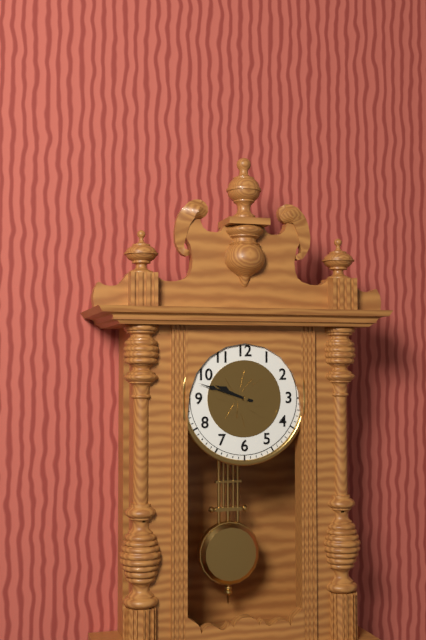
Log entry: h=9 m=48
